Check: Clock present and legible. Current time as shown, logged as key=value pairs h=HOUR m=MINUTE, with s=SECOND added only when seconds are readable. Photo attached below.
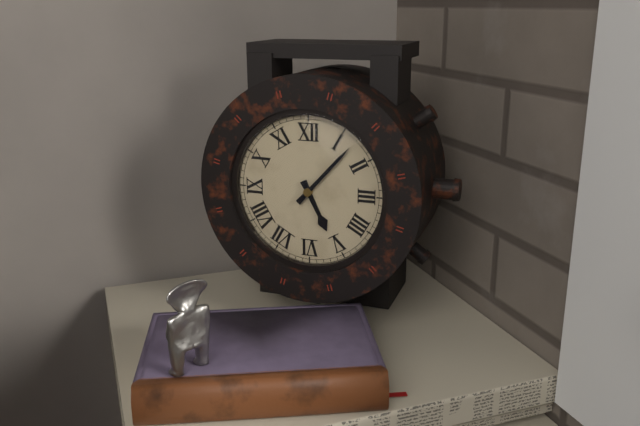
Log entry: h=5 m=7
